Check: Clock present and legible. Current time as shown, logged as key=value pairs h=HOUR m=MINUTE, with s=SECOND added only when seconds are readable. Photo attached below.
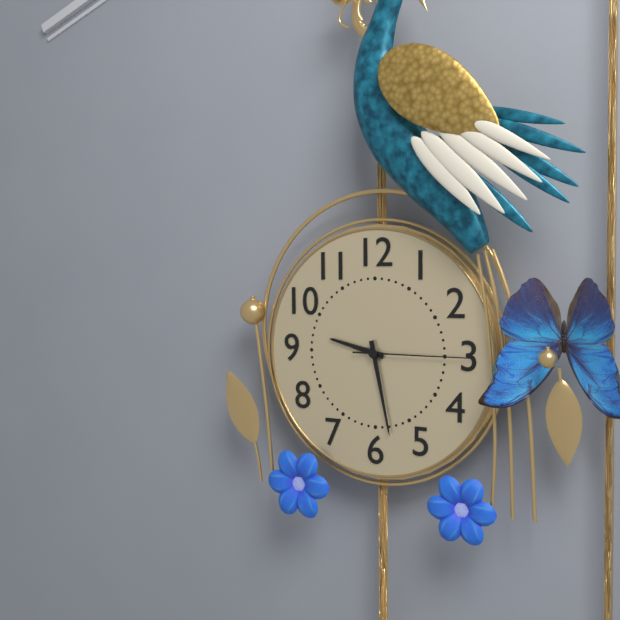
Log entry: h=9 m=28 s=15
